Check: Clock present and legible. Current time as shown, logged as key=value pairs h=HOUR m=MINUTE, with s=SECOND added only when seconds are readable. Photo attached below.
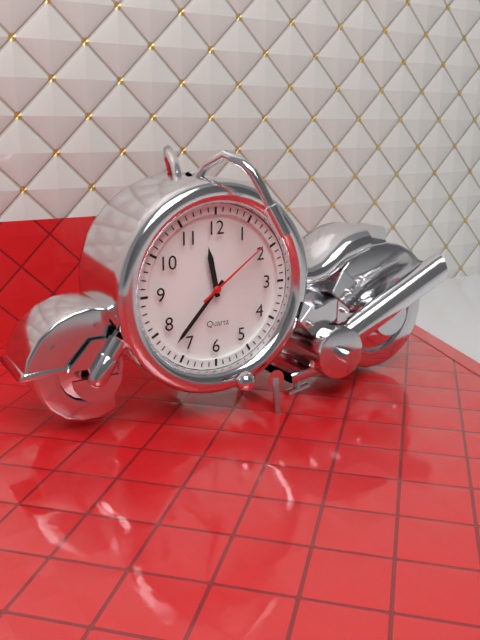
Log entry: h=11 m=37 s=9
